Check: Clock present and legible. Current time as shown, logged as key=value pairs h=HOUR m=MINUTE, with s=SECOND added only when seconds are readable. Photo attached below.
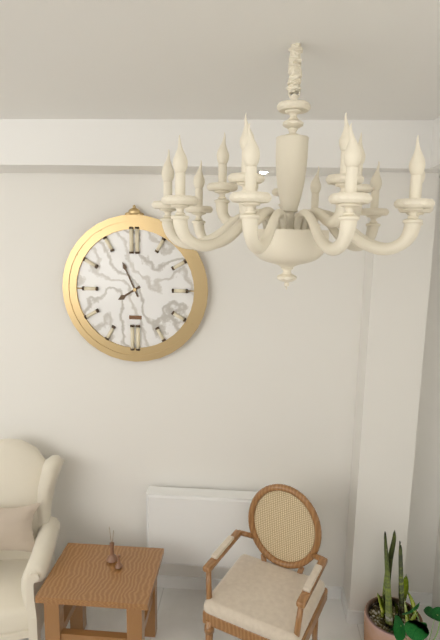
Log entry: h=7 m=56
